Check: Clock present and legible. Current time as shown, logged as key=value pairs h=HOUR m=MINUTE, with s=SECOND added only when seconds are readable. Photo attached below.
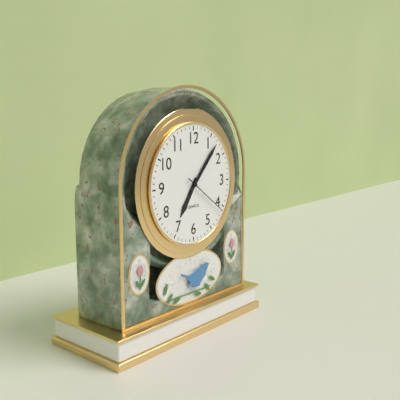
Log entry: h=7 m=7
